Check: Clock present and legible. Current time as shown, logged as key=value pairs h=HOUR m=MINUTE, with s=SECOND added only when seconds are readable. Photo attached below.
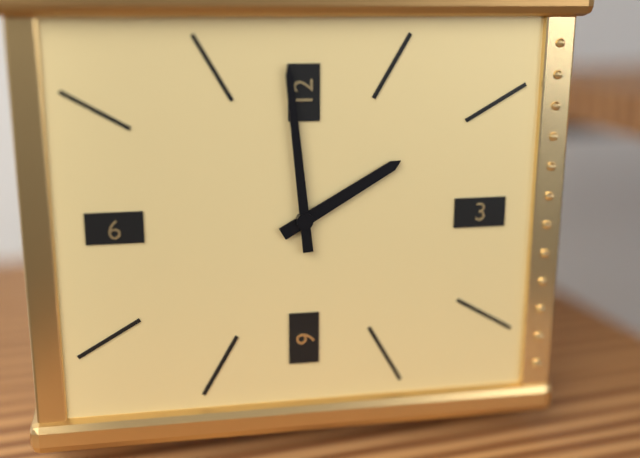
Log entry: h=1 m=59
